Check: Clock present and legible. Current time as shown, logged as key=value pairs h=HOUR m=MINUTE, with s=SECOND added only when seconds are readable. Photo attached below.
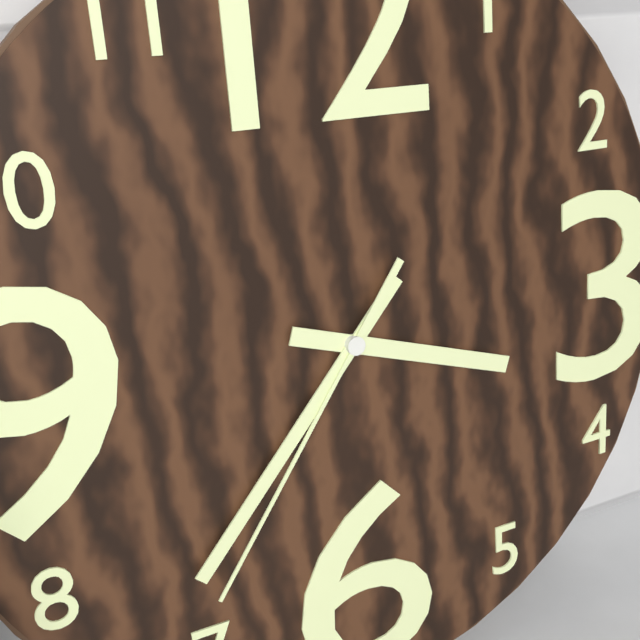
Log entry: h=3 m=37 s=36
